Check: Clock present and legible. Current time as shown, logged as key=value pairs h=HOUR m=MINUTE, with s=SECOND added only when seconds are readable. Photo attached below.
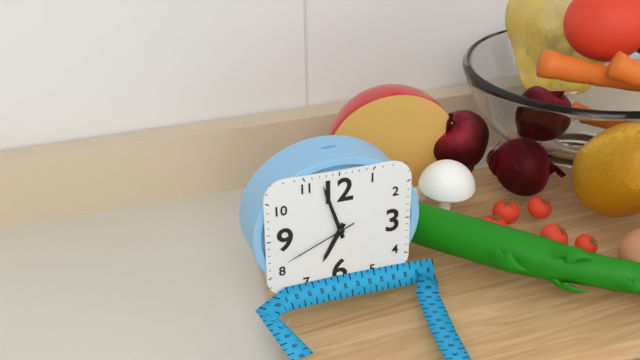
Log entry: h=6 m=57 s=41
